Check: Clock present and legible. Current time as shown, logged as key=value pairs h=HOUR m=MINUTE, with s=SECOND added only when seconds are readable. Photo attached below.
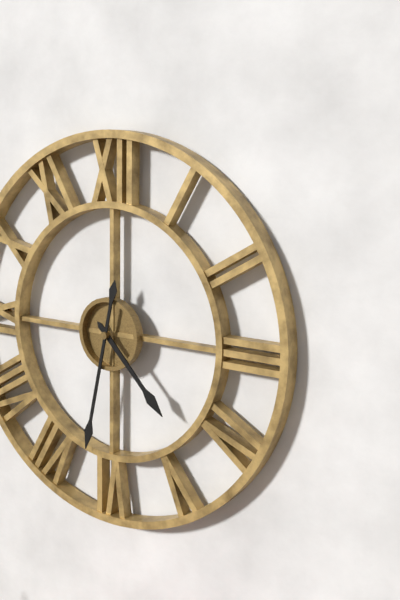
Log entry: h=4 m=32
